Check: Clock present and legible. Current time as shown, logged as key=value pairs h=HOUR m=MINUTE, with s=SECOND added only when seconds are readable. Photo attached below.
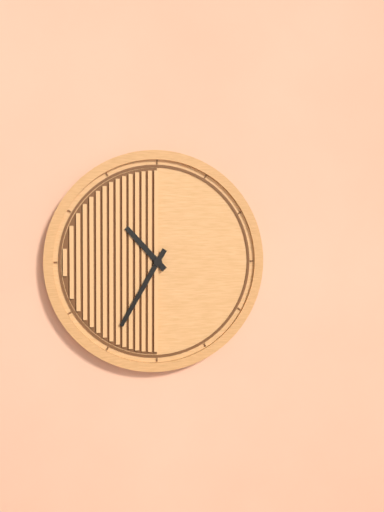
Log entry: h=10 m=35
